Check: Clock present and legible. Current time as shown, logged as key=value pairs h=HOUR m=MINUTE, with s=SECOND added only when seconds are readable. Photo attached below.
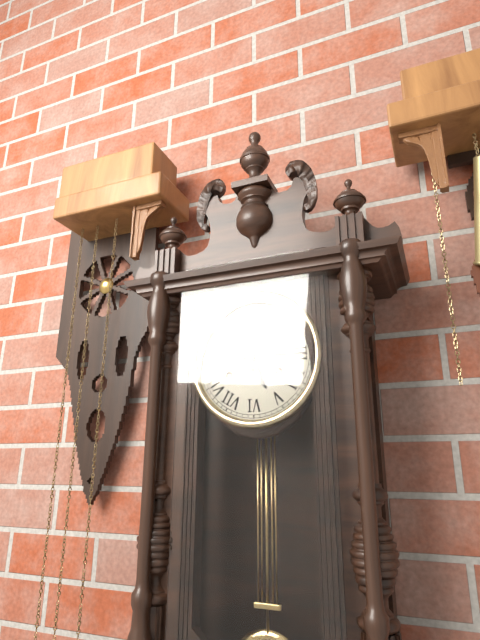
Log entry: h=5 m=15
